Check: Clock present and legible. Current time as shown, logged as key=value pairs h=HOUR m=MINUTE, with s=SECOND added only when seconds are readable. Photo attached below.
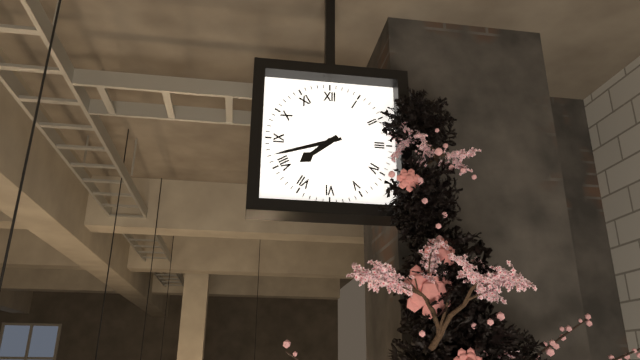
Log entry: h=7 m=42
